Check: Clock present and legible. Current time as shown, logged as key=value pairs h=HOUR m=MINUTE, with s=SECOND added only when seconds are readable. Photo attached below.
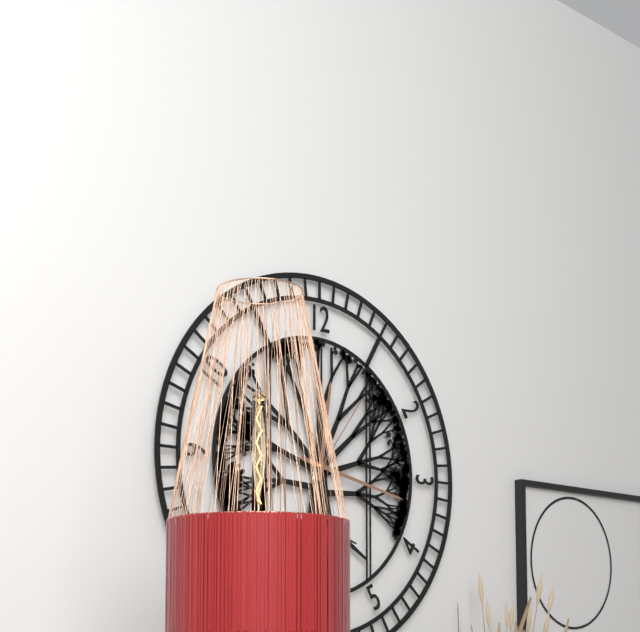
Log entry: h=12 m=17 s=6
